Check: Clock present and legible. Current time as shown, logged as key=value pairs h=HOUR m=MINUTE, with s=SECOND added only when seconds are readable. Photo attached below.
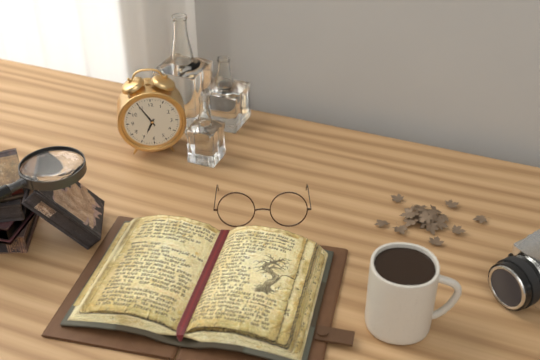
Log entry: h=6 m=55
